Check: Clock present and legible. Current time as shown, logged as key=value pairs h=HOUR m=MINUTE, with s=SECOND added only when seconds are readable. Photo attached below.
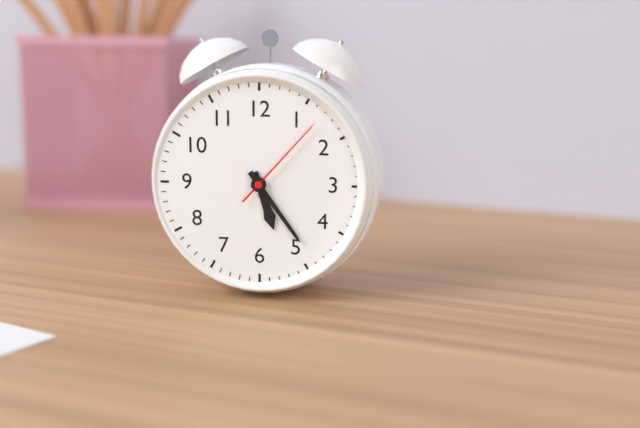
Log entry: h=5 m=24 s=7
